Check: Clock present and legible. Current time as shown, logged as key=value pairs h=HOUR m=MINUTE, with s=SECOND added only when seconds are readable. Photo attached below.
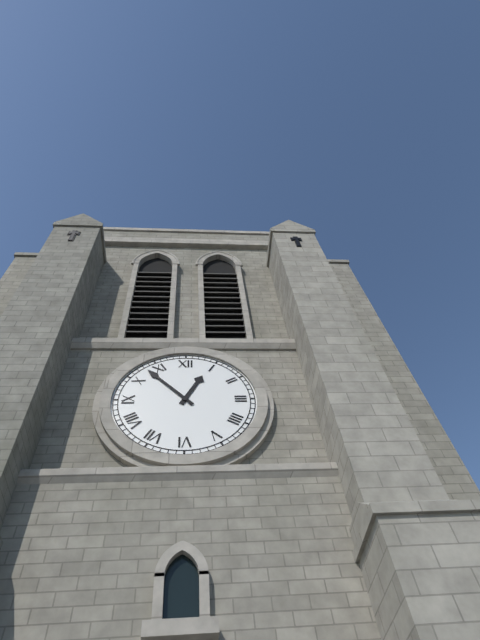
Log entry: h=12 m=53
